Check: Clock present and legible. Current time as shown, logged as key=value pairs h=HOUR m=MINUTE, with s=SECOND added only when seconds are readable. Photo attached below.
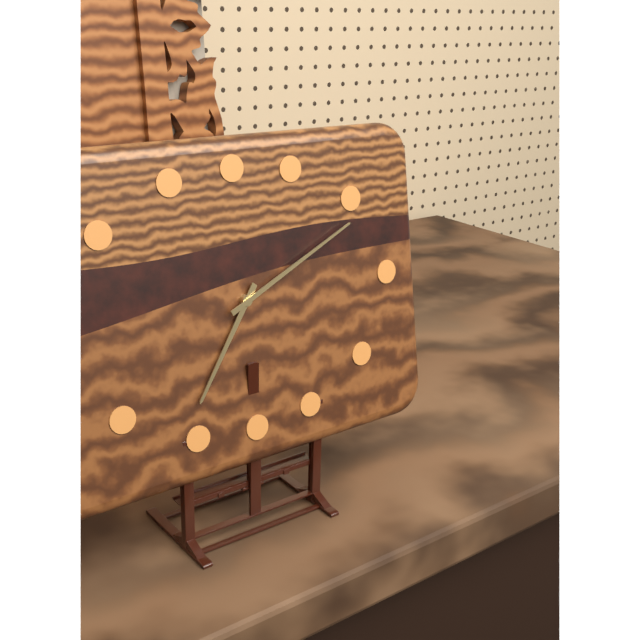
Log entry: h=7 m=11
